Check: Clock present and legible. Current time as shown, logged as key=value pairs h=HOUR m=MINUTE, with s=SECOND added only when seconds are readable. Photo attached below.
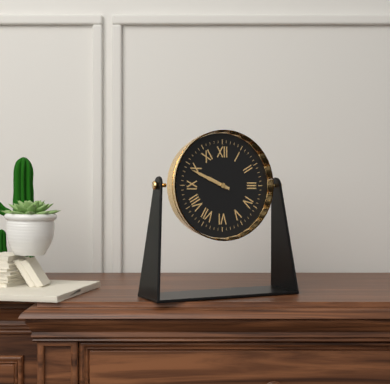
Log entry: h=9 m=49
